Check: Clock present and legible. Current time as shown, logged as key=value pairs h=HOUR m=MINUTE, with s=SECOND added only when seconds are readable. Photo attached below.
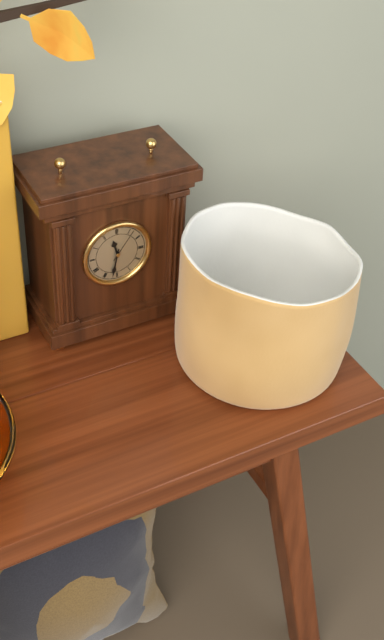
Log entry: h=11 m=32
